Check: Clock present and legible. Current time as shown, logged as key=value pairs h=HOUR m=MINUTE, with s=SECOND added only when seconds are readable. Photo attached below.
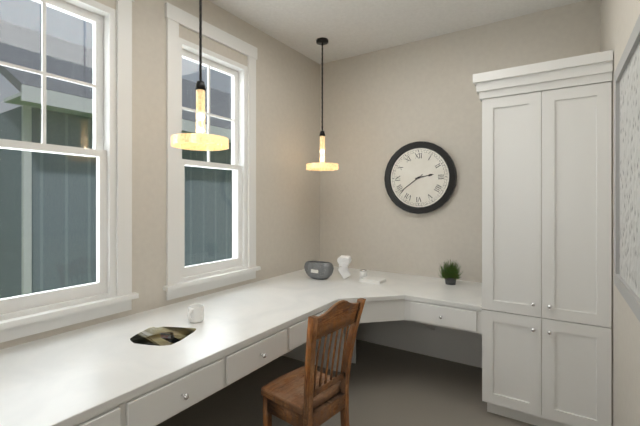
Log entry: h=2 m=39
